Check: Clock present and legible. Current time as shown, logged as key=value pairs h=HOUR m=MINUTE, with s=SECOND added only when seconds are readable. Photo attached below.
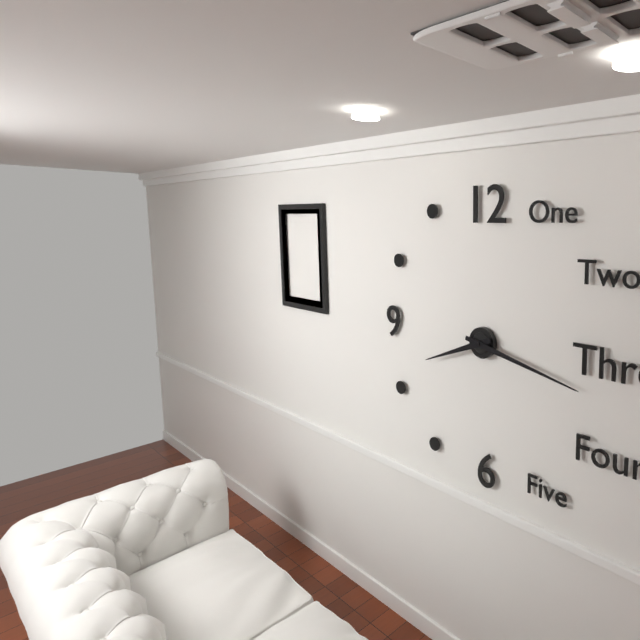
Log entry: h=8 m=17
